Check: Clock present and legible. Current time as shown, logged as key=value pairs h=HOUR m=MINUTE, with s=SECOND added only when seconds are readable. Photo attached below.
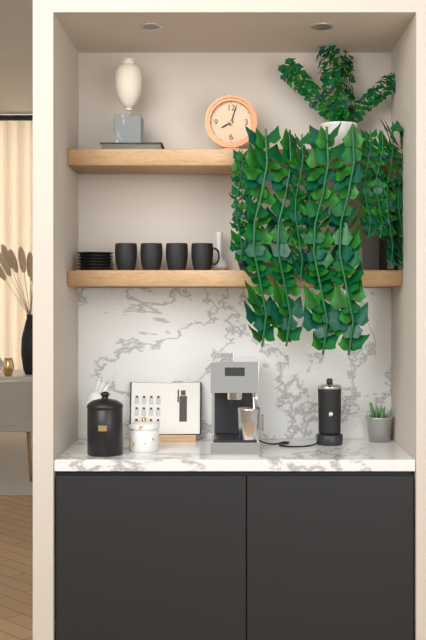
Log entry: h=8 m=3
